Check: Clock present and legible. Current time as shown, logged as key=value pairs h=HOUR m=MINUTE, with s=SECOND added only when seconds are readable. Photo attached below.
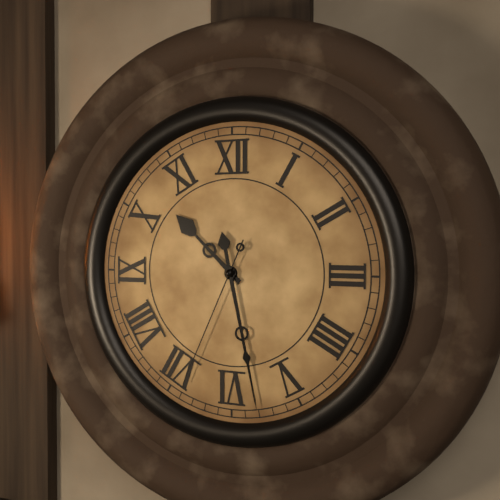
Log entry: h=10 m=28 s=34
